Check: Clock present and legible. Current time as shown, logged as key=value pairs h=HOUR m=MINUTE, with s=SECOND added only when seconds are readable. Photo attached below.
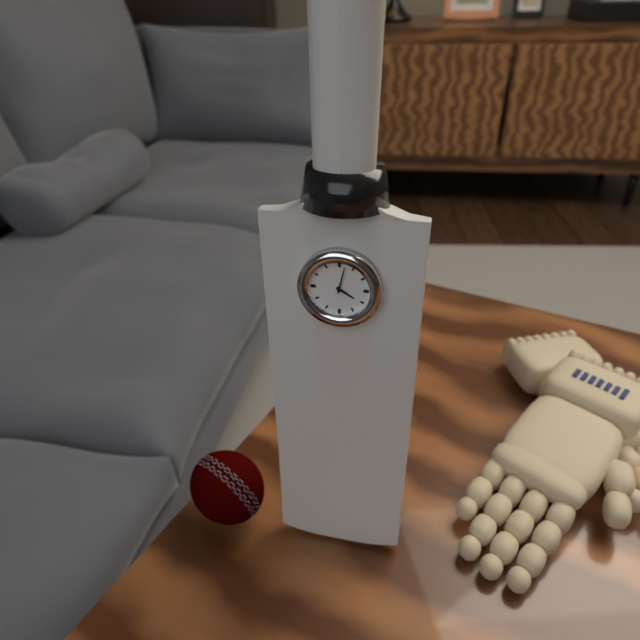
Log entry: h=4 m=2
